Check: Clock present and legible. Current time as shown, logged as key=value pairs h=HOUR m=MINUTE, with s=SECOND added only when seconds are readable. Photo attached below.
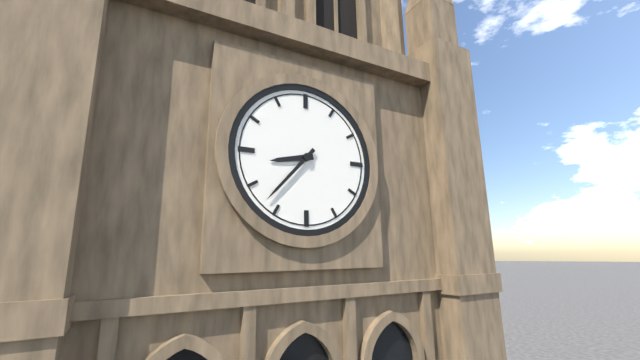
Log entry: h=8 m=37
